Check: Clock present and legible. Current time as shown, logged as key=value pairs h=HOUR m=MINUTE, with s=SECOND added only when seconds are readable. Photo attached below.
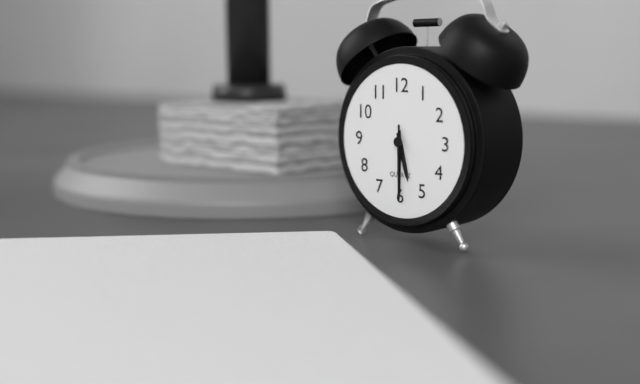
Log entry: h=5 m=30 s=30
